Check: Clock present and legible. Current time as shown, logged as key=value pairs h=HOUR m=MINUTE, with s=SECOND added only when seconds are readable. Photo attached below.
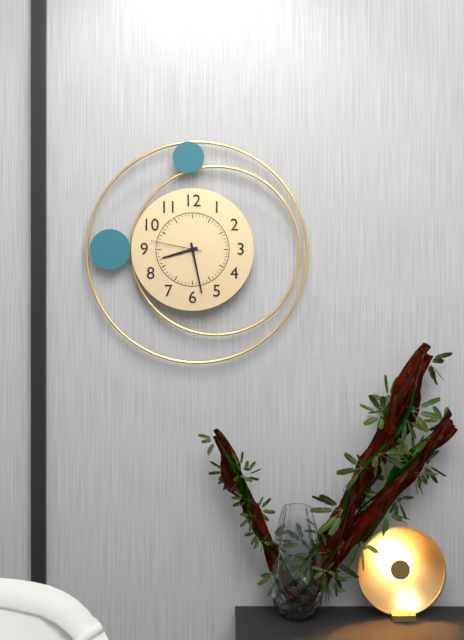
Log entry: h=8 m=28 s=47
